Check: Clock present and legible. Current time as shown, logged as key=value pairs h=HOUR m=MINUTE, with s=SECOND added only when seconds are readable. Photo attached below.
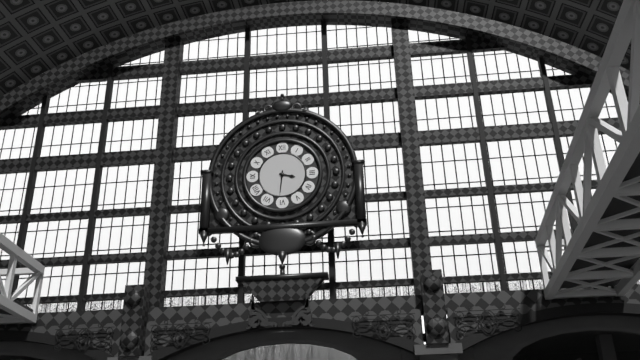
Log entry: h=3 m=31
